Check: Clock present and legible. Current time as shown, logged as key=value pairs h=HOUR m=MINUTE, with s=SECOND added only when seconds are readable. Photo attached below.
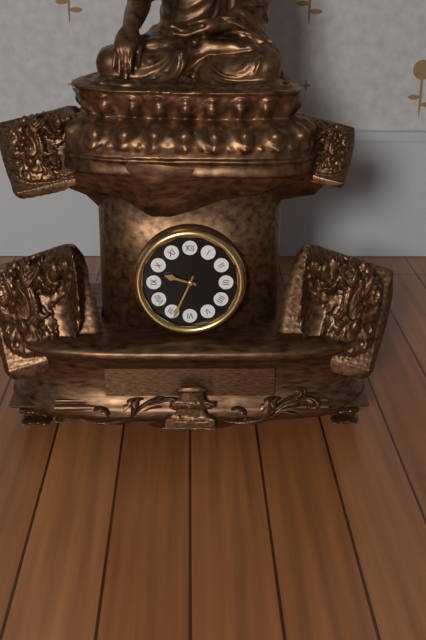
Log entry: h=9 m=34
